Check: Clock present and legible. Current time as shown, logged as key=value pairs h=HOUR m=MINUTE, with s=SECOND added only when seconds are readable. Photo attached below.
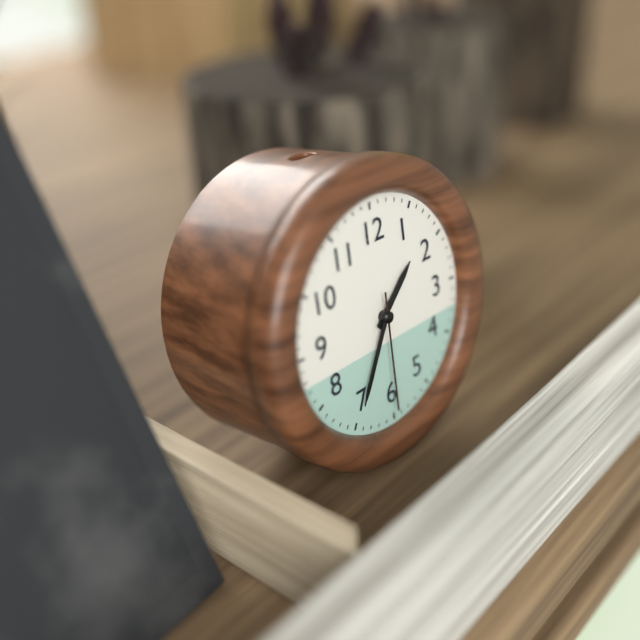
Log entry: h=1 m=35 s=30
